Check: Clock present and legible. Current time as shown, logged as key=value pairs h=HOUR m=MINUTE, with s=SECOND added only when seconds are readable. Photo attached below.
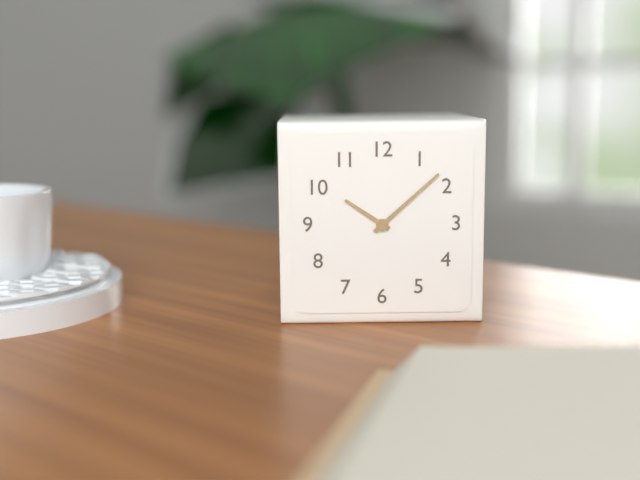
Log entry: h=10 m=8
